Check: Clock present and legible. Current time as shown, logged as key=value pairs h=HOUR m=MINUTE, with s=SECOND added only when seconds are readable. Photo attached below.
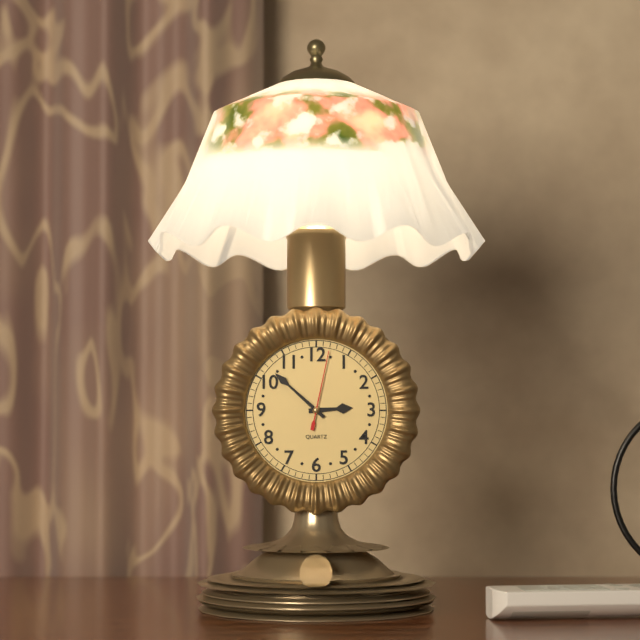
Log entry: h=2 m=52 s=2
